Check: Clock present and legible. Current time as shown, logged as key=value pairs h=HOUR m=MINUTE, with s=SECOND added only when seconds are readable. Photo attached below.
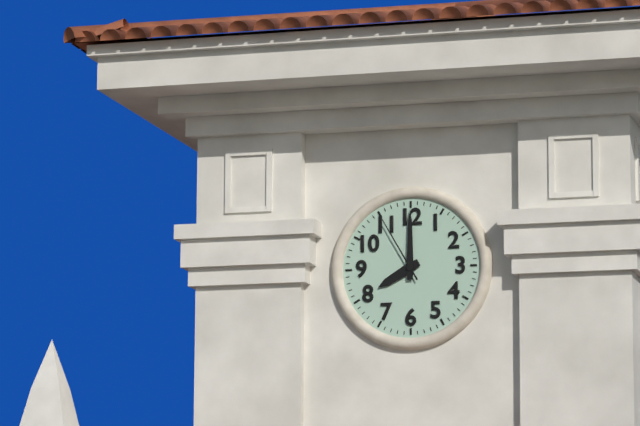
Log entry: h=8 m=0 s=55
